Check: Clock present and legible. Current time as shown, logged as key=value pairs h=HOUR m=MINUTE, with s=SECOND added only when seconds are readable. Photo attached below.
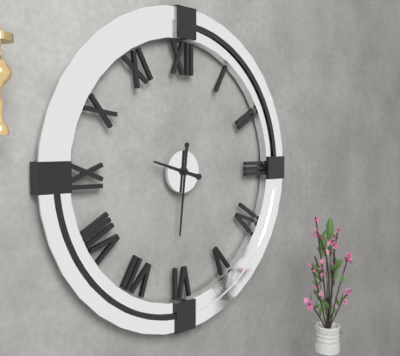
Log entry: h=9 m=31
